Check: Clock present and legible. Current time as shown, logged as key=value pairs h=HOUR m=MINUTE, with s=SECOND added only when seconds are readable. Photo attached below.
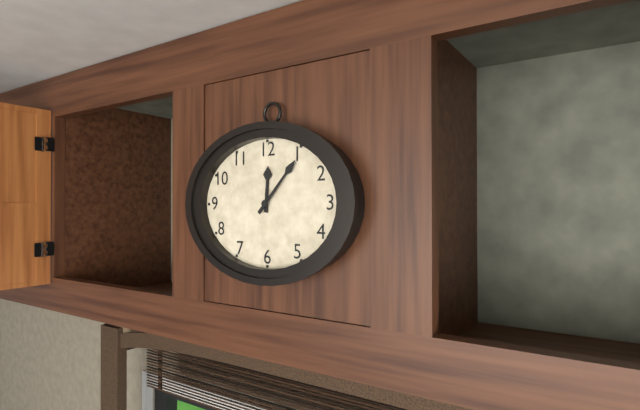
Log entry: h=12 m=7
